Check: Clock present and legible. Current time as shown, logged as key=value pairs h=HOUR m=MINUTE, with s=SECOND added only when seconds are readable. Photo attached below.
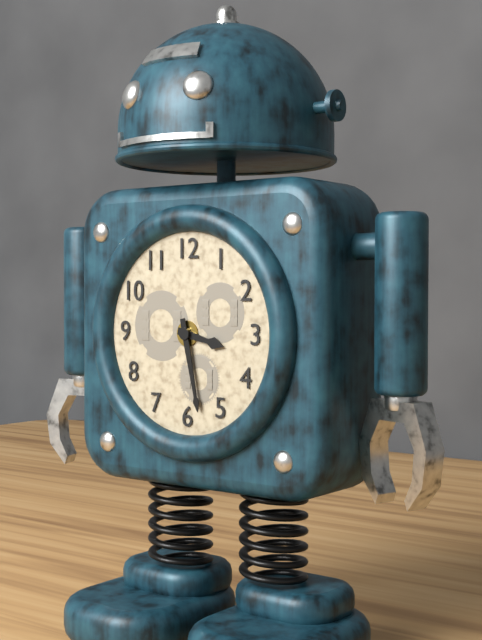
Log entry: h=3 m=28
